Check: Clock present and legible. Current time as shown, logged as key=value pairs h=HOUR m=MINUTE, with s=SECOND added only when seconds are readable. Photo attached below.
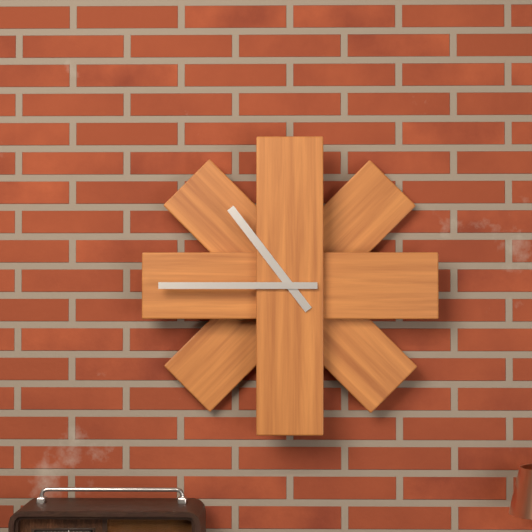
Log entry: h=10 m=45
